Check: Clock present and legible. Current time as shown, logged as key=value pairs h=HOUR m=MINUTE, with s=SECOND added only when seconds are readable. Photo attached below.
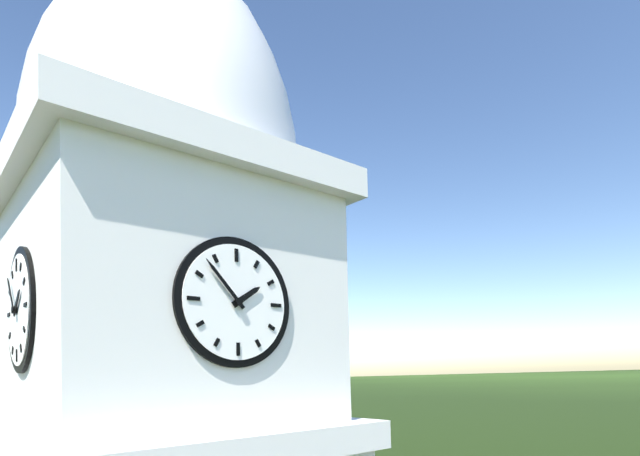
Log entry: h=1 m=53
